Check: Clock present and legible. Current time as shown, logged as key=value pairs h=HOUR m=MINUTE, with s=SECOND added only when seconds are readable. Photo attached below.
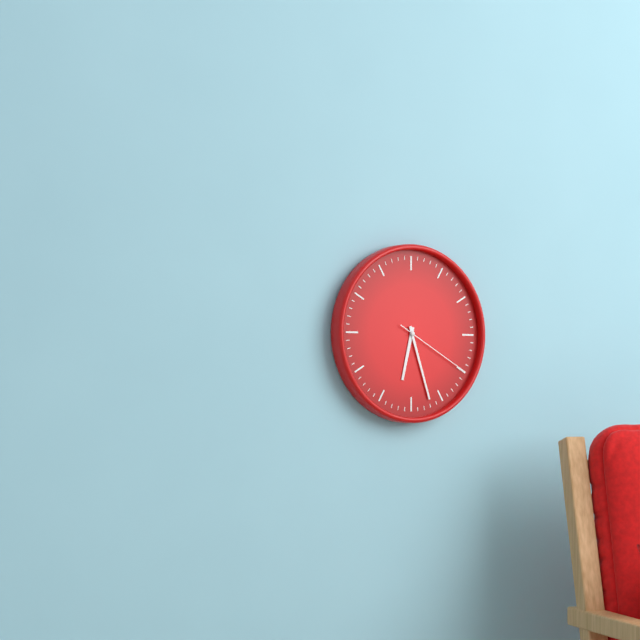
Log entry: h=6 m=27 s=20
